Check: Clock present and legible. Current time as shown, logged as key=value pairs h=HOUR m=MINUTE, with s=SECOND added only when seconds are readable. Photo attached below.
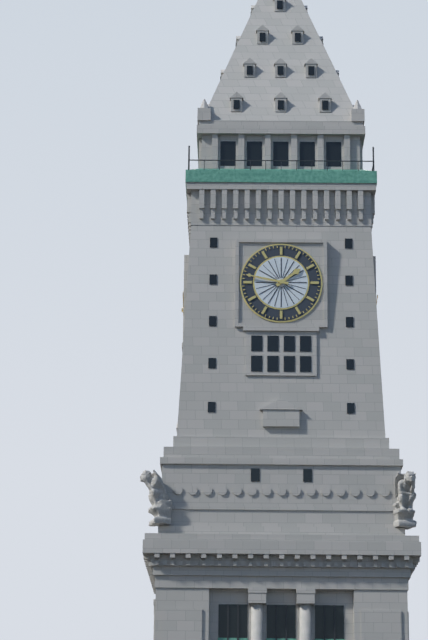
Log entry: h=1 m=47
